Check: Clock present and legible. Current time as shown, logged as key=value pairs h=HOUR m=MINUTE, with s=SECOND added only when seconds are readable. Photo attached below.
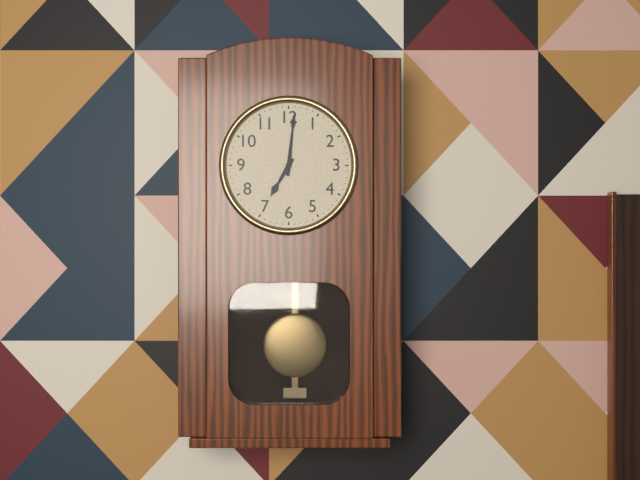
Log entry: h=7 m=1
